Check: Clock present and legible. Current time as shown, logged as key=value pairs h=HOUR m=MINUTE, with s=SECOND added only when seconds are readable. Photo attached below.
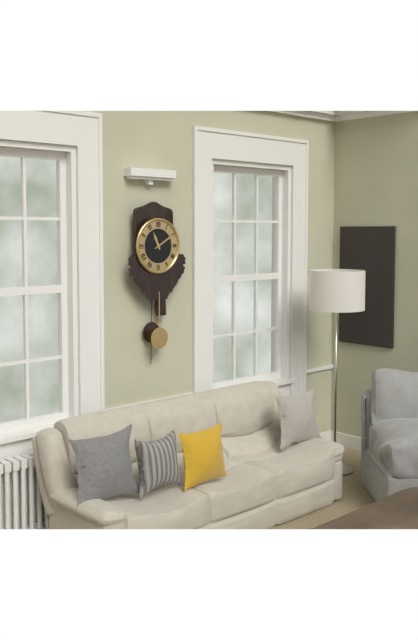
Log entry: h=11 m=10
